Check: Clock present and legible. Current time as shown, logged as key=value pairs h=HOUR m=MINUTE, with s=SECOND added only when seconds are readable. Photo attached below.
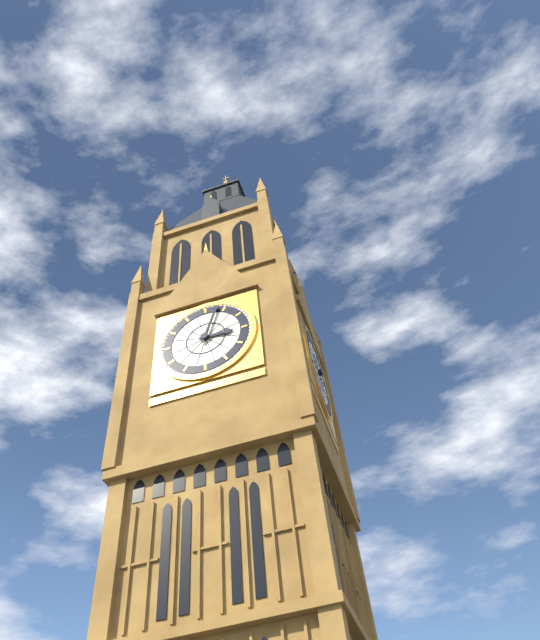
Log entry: h=3 m=3
